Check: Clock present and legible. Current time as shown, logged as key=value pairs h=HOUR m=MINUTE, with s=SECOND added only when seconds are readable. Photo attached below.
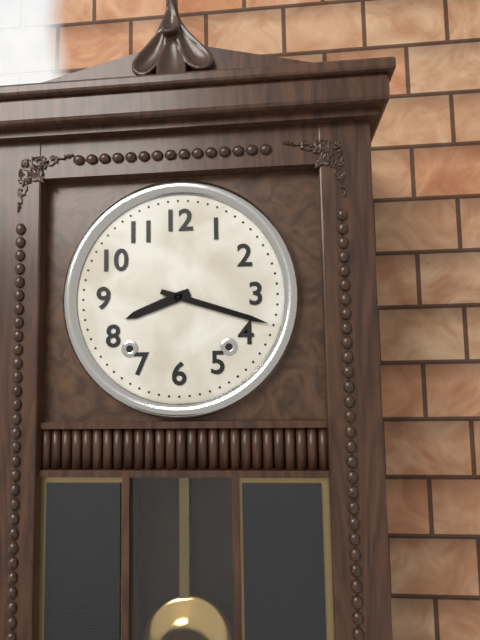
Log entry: h=8 m=18
